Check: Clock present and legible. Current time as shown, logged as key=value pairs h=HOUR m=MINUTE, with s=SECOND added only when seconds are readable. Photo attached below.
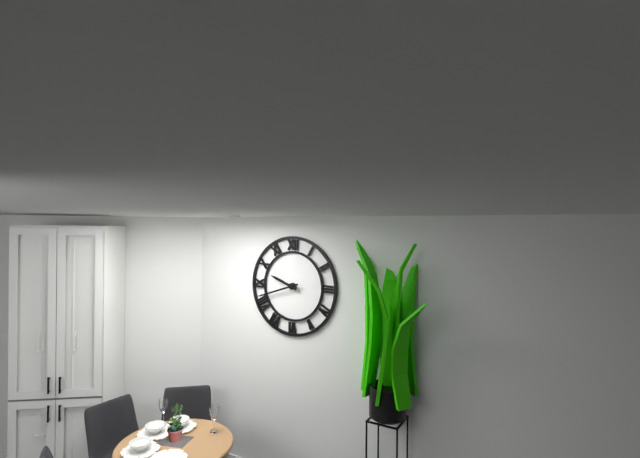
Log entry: h=9 m=42
